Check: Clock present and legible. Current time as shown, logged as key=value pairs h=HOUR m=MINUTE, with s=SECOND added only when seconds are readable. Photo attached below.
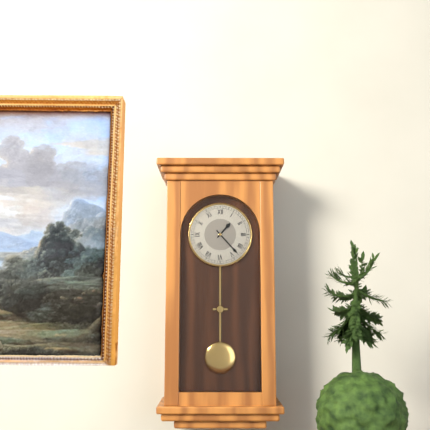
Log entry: h=1 m=23
